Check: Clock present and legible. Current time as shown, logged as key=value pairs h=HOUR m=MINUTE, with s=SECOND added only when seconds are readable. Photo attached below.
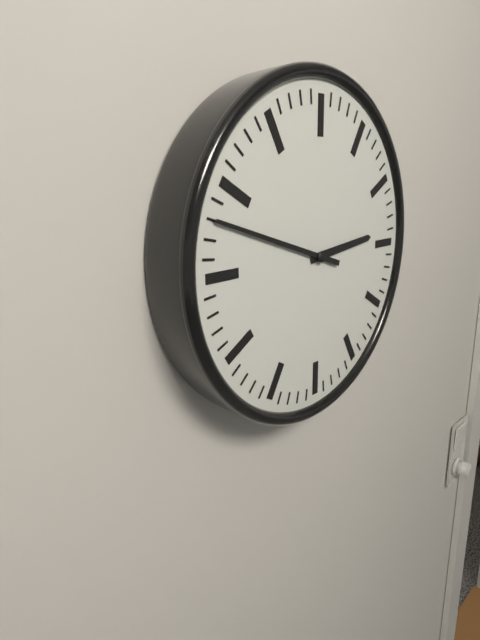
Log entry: h=2 m=48
